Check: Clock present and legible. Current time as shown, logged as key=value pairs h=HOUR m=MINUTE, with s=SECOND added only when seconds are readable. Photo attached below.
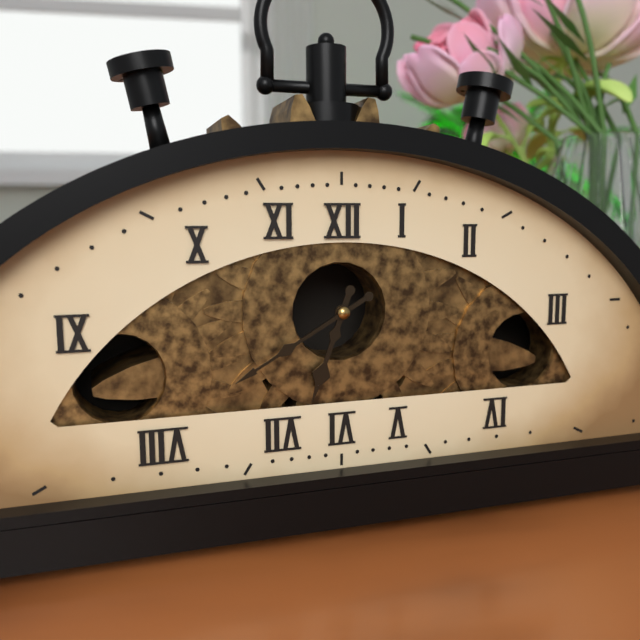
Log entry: h=6 m=40
